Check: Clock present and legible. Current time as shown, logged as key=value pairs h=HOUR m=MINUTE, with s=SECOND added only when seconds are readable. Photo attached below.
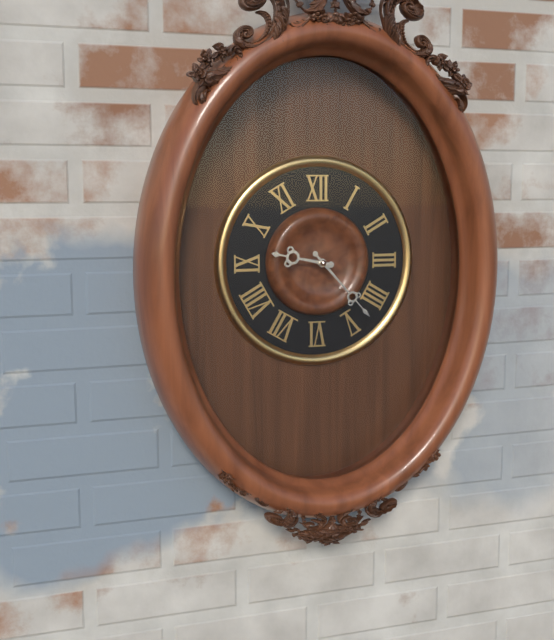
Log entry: h=9 m=23
